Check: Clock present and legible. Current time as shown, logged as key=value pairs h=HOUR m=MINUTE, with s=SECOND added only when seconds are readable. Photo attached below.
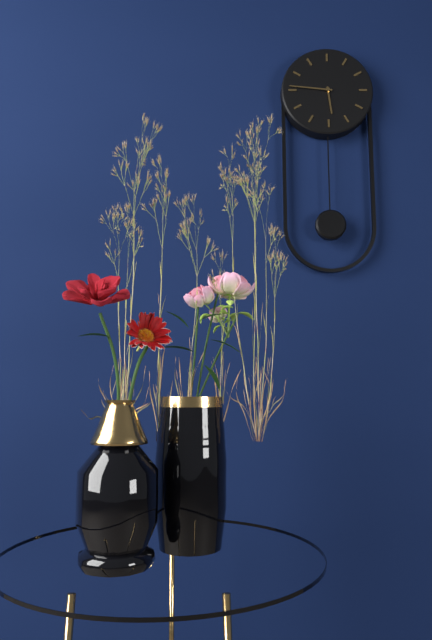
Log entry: h=5 m=46
